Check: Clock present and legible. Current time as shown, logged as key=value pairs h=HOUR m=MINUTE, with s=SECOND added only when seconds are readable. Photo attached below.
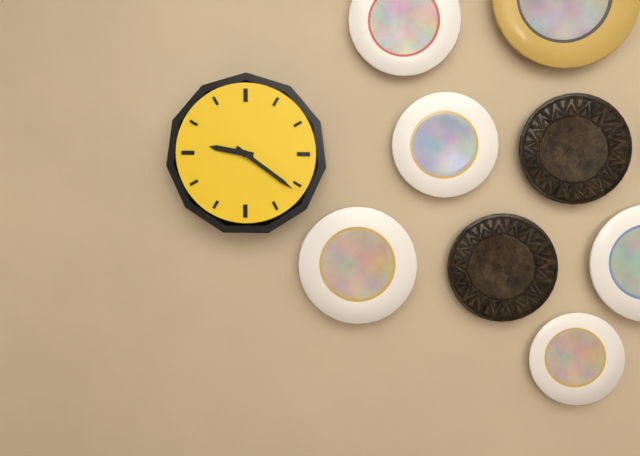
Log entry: h=9 m=21
